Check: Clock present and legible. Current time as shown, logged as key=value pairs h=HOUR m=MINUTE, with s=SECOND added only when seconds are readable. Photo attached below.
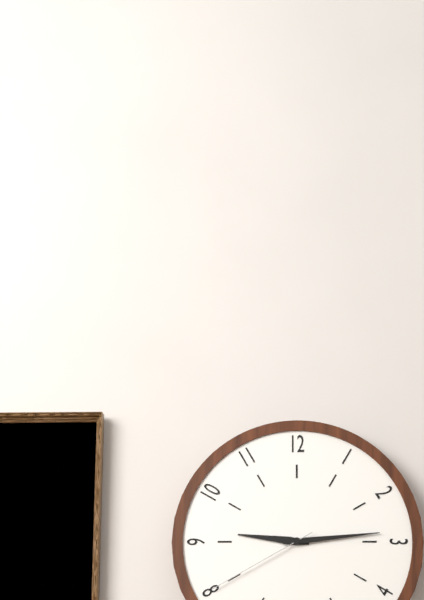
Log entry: h=9 m=14 s=40
